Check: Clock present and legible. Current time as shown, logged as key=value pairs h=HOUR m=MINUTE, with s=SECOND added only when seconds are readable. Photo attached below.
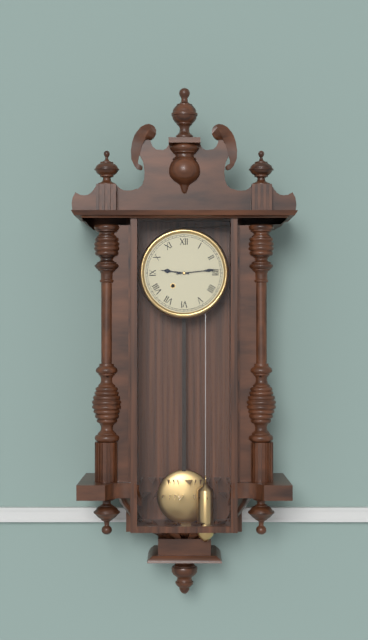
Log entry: h=9 m=14
